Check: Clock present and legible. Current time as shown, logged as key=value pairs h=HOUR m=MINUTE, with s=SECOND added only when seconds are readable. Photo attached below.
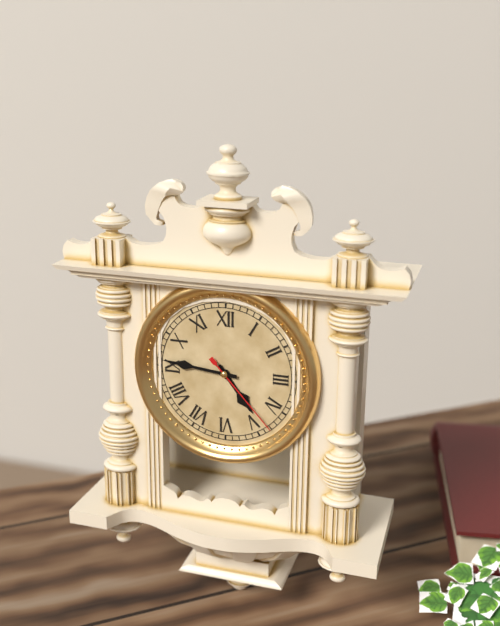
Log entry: h=4 m=46 s=23
